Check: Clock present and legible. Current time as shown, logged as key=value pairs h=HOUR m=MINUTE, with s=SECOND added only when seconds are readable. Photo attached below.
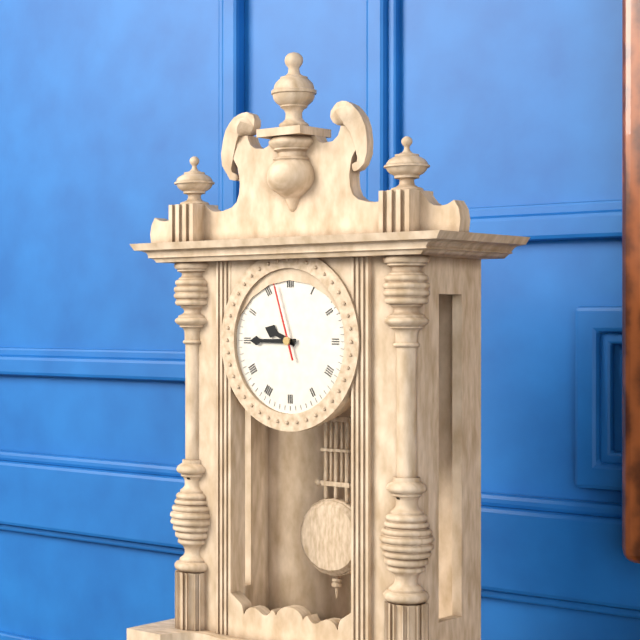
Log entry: h=9 m=45 s=57
